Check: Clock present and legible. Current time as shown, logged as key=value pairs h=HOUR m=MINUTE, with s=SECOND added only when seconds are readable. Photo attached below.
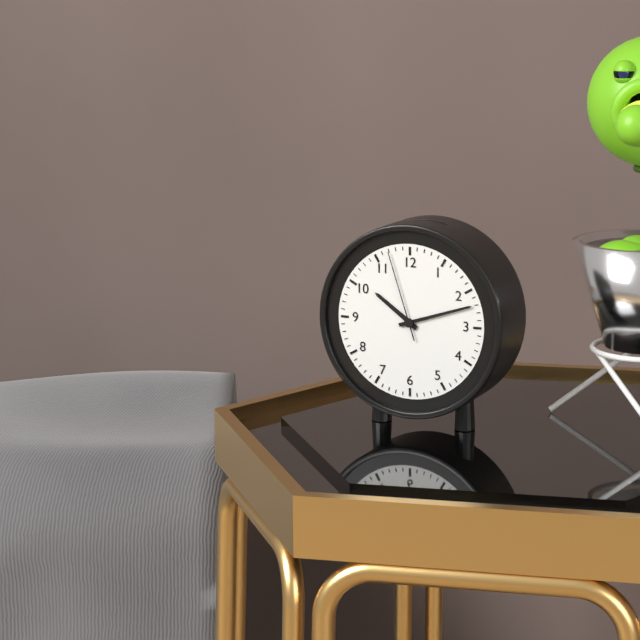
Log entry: h=10 m=12 s=57
